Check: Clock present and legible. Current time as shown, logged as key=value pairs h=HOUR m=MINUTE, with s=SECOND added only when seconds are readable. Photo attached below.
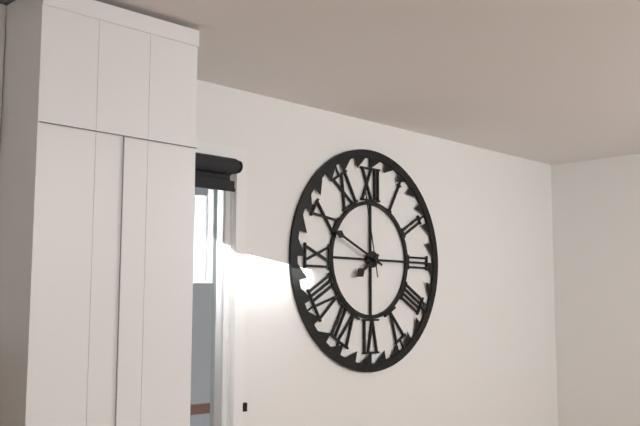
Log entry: h=7 m=49 s=58
